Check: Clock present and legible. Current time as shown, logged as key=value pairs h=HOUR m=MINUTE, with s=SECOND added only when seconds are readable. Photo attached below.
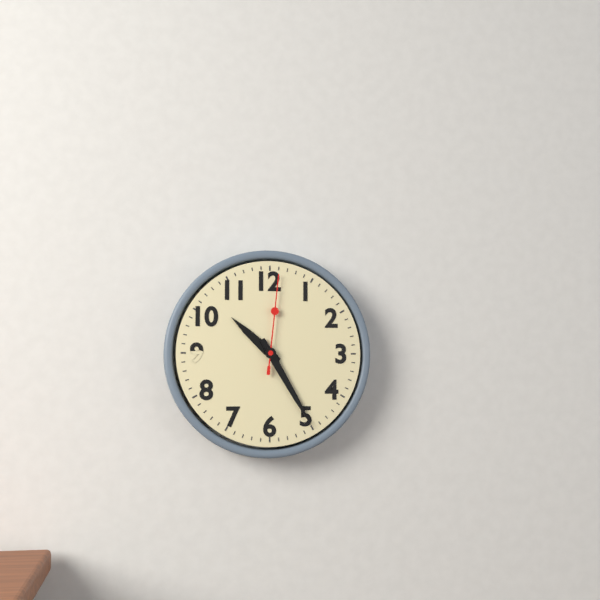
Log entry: h=10 m=25 s=1
